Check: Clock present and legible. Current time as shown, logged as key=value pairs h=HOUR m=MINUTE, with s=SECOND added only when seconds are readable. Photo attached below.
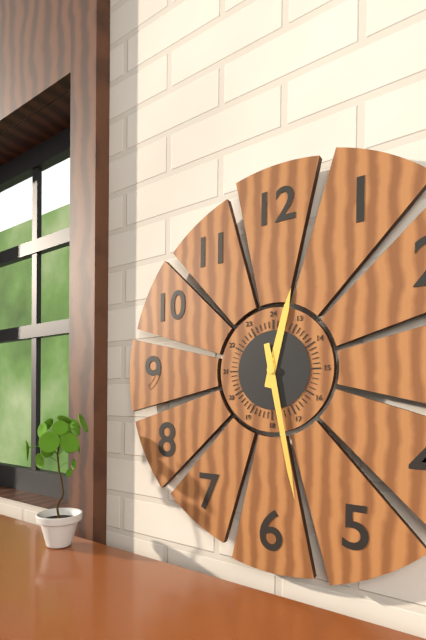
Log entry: h=12 m=28
